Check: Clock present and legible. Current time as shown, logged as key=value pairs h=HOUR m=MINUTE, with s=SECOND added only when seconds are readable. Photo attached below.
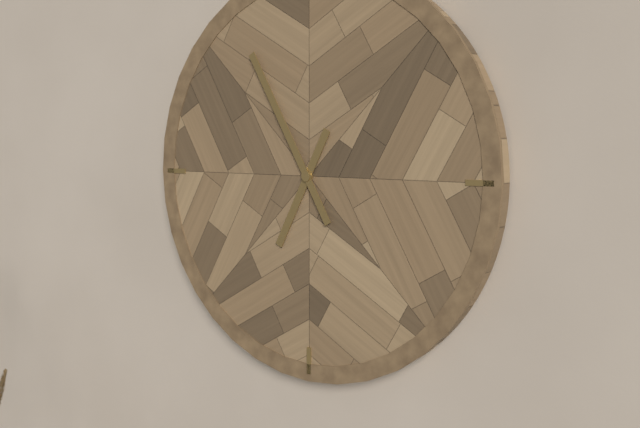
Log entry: h=6 m=55
